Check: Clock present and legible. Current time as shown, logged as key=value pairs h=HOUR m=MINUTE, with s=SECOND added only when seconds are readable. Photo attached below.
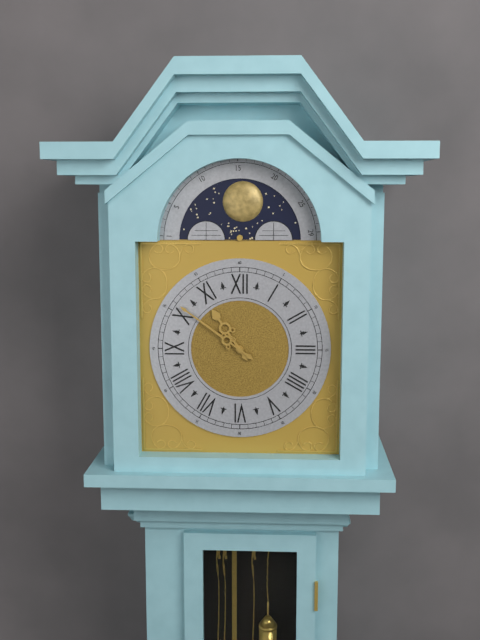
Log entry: h=10 m=51
